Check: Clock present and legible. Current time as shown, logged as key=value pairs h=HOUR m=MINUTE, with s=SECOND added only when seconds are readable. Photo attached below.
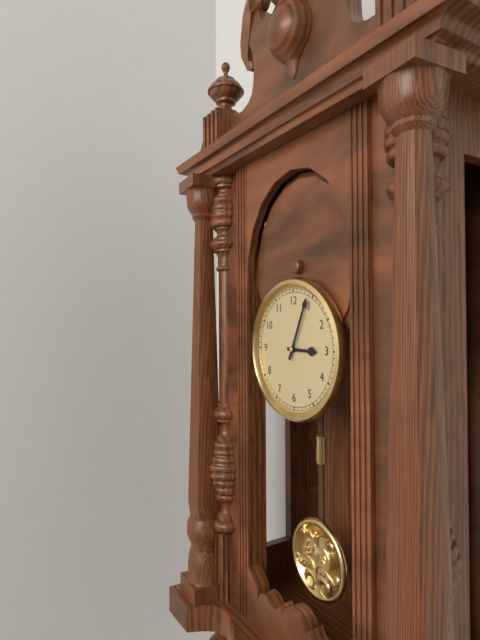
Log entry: h=3 m=4
